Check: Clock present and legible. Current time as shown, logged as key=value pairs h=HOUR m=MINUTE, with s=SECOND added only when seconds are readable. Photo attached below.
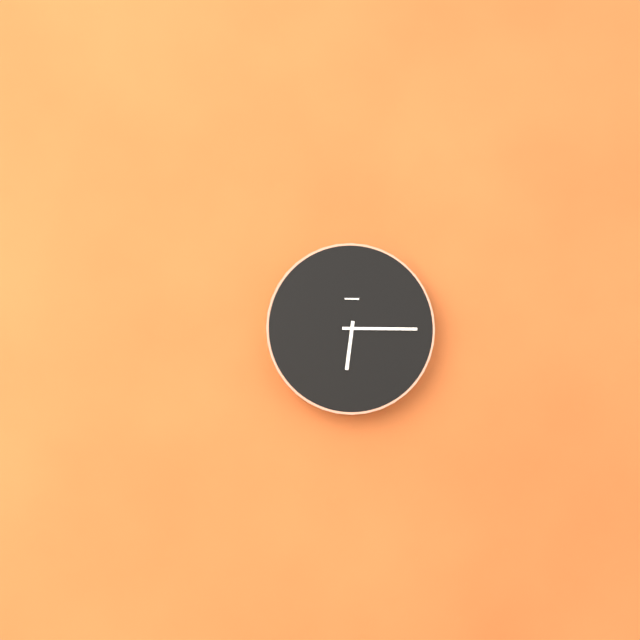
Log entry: h=6 m=15
